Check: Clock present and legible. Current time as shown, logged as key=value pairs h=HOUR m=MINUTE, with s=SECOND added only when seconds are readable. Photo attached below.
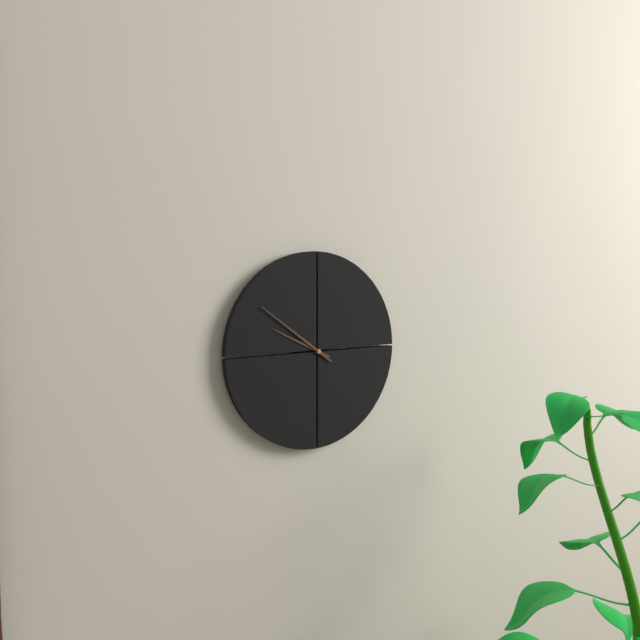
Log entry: h=9 m=51
